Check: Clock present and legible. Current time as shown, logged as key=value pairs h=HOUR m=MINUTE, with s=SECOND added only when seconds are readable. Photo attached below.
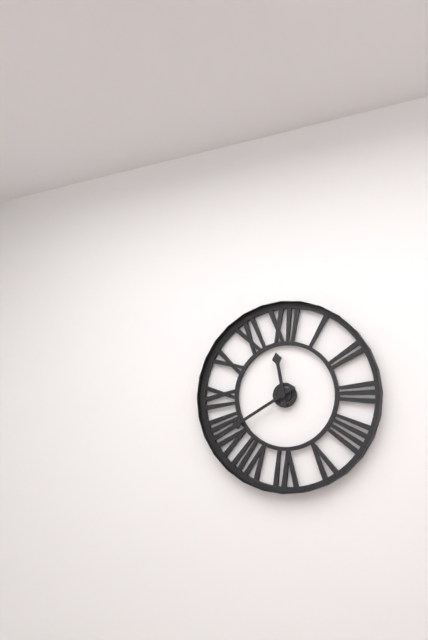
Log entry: h=11 m=40
